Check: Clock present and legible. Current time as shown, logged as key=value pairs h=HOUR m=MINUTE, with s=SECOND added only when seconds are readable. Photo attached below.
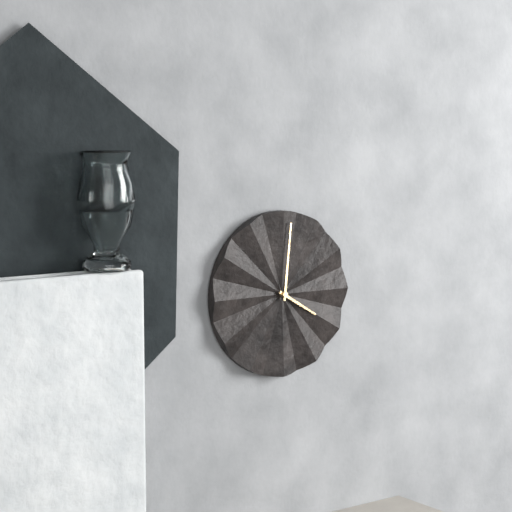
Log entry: h=4 m=1
